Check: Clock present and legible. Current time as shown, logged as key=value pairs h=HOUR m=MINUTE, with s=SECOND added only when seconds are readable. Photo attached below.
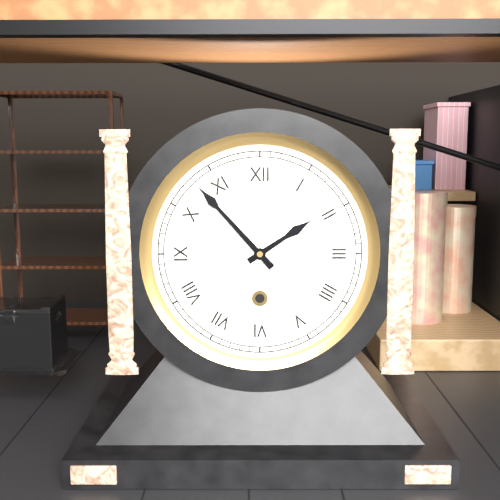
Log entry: h=1 m=53
